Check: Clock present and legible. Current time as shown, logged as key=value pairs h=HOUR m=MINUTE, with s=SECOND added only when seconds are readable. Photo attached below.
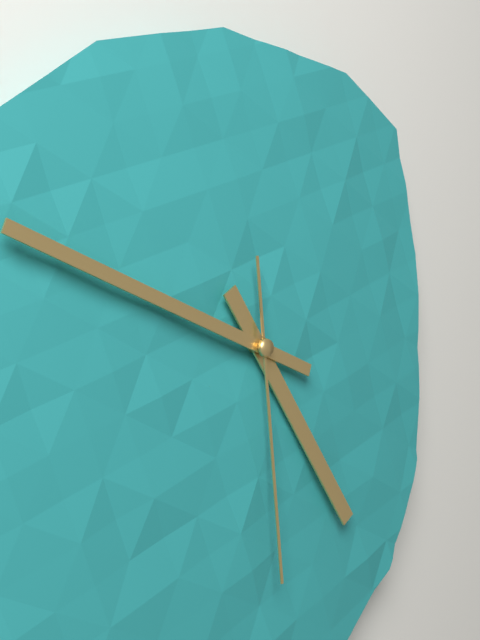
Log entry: h=4 m=48 s=29
